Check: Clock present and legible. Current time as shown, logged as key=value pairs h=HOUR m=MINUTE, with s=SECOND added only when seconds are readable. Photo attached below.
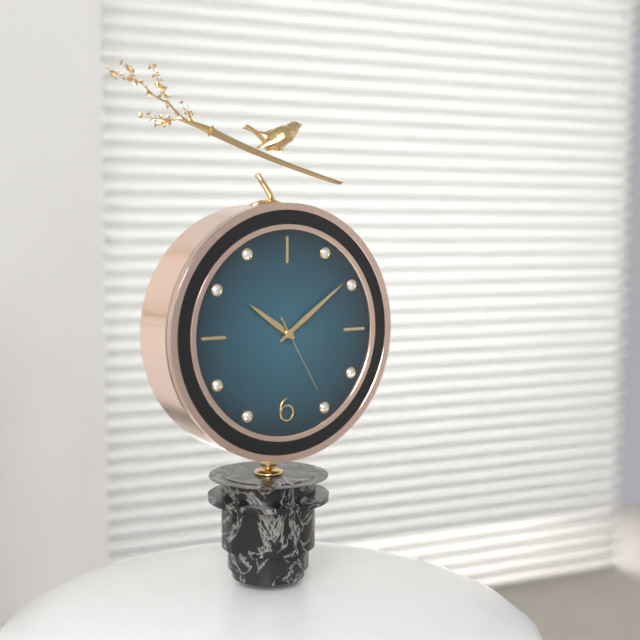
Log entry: h=10 m=9 s=25
